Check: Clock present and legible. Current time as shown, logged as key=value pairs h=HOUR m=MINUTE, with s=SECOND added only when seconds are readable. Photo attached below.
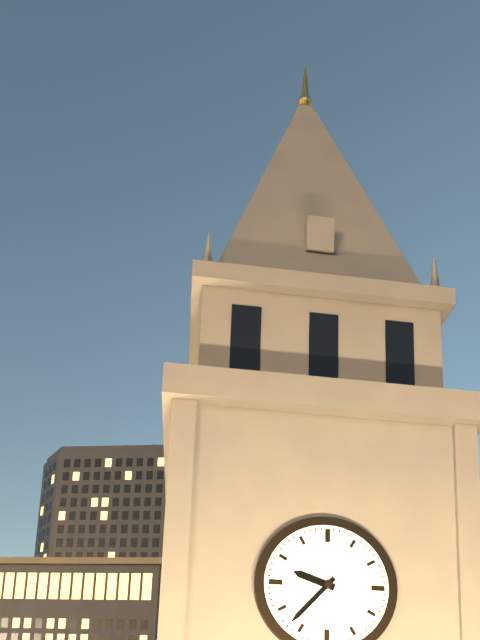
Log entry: h=9 m=37
